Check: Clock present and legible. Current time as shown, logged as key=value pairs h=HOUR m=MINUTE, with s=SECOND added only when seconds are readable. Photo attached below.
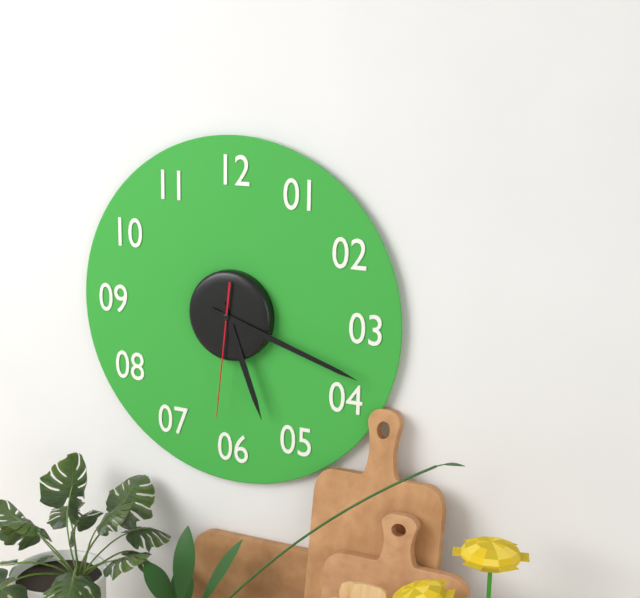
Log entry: h=5 m=18 s=31
